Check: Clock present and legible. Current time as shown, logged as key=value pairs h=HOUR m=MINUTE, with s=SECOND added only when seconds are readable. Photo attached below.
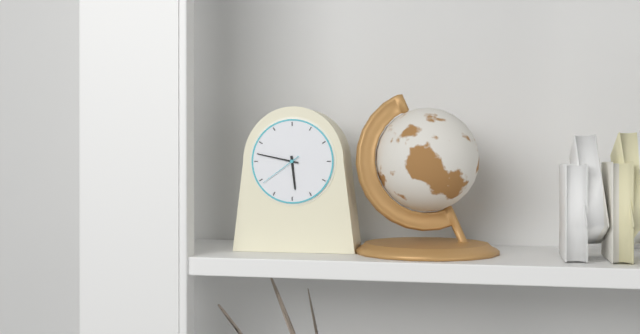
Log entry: h=5 m=47
